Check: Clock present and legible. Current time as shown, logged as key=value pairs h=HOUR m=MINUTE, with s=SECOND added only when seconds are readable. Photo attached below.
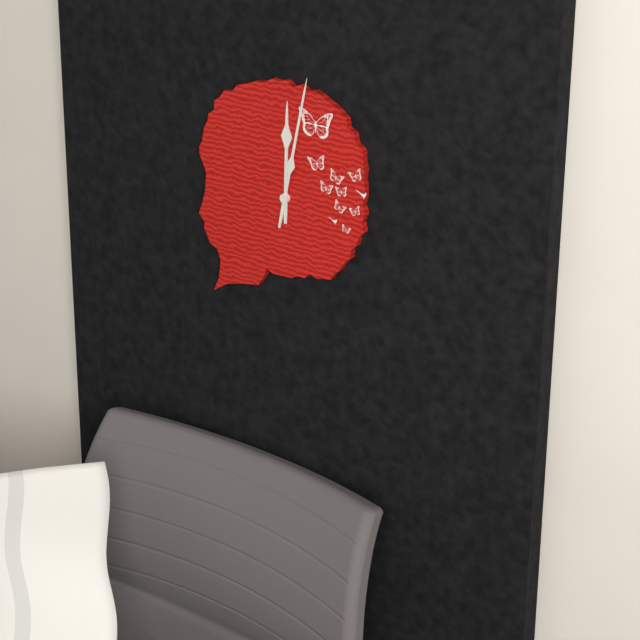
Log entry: h=12 m=2
